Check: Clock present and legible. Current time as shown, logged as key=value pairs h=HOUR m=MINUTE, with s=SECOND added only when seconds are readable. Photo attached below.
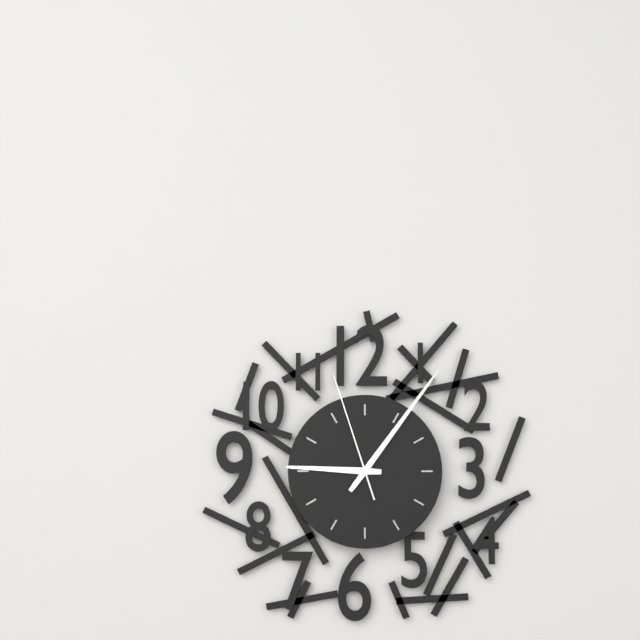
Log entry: h=9 m=6 s=57
